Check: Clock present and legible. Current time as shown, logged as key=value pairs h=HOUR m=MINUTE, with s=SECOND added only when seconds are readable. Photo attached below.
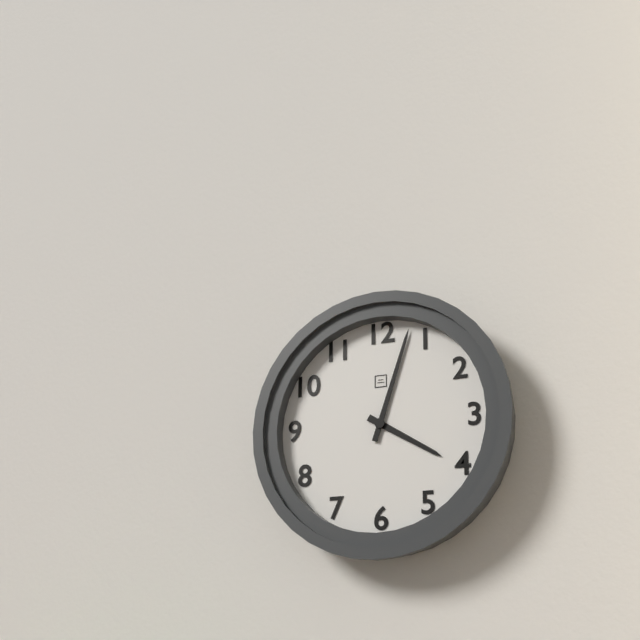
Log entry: h=4 m=3
